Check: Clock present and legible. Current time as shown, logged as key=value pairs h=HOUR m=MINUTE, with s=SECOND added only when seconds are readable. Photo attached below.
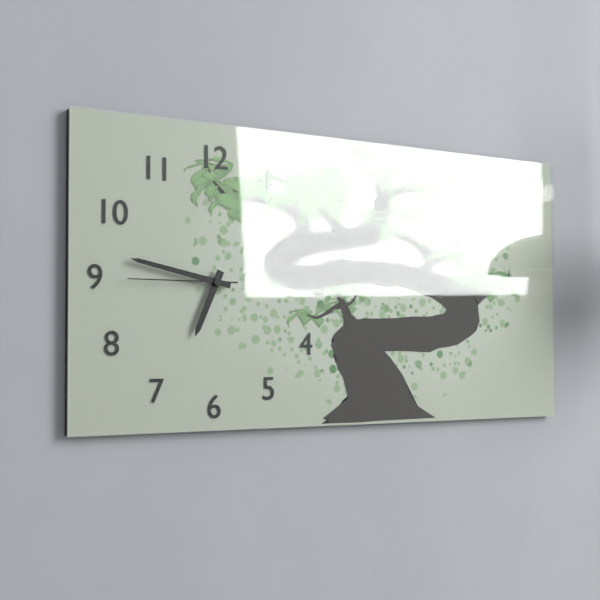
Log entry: h=6 m=47 s=45
